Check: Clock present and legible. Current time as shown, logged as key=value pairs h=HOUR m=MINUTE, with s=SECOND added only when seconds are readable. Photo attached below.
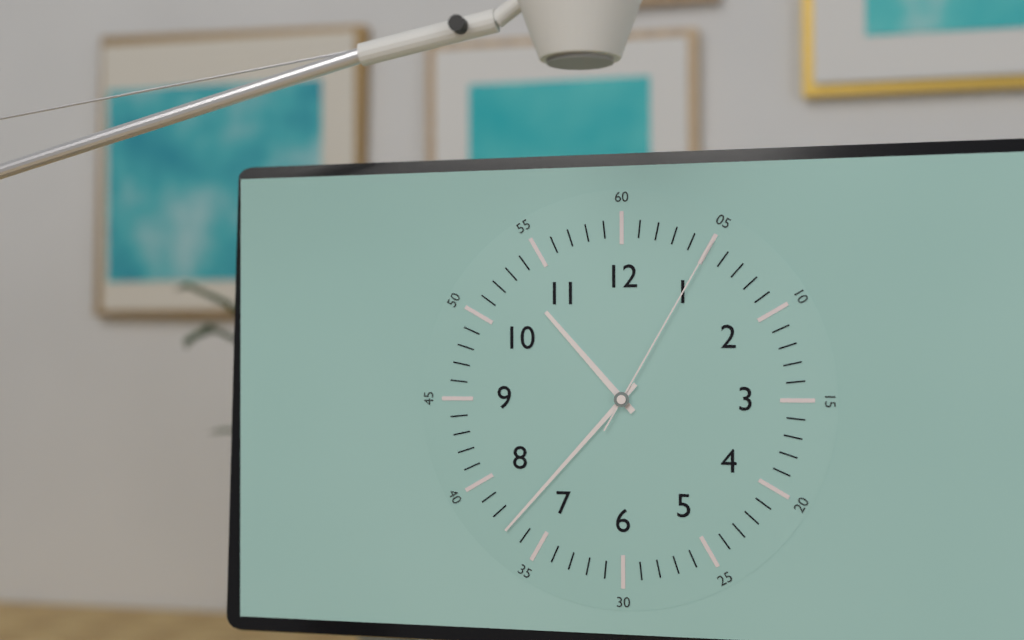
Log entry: h=10 m=37 s=5
